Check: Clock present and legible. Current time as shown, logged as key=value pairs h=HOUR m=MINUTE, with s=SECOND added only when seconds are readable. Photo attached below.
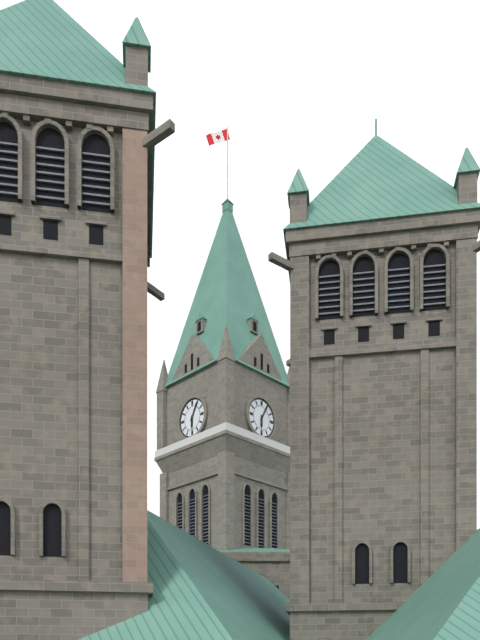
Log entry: h=6 m=5
